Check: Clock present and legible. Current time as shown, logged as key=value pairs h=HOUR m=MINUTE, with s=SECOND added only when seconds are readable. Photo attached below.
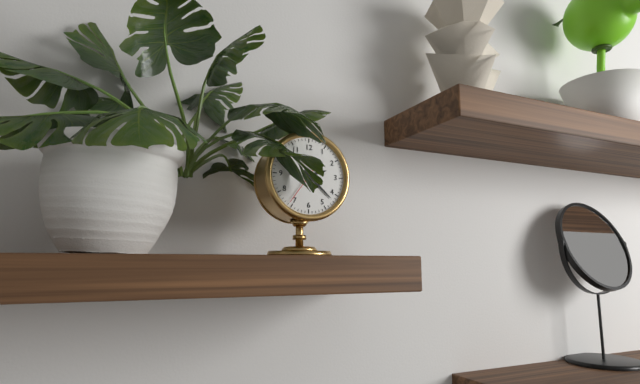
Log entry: h=2 m=22
